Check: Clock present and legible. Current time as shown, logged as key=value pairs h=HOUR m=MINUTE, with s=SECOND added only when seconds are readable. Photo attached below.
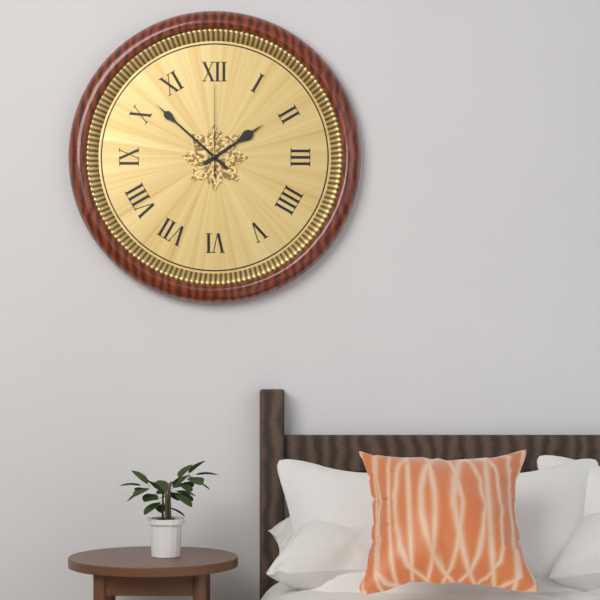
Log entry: h=1 m=52 s=0
